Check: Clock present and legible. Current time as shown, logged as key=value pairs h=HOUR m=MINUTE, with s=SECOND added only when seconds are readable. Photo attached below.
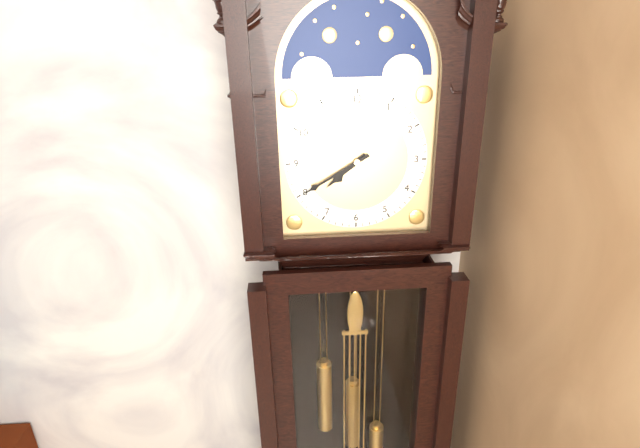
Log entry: h=7 m=40
